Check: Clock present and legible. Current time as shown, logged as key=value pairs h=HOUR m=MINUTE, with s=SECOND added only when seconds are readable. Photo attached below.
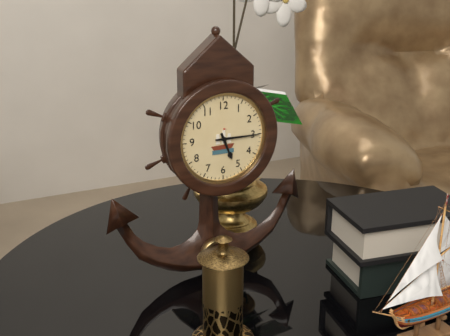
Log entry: h=5 m=15
